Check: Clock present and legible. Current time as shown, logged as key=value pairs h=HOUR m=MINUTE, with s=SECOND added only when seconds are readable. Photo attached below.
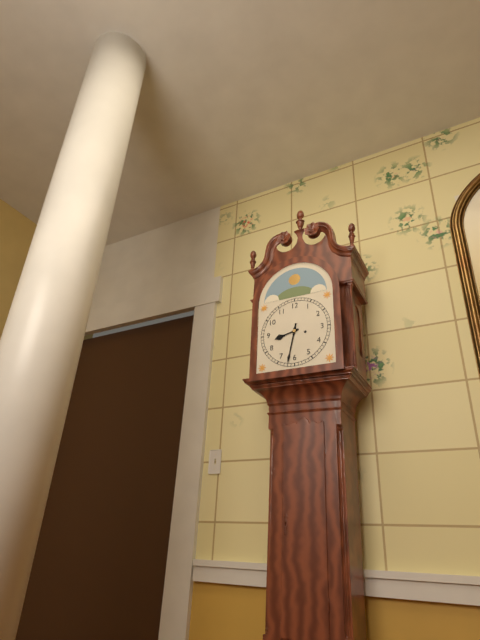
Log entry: h=8 m=32
